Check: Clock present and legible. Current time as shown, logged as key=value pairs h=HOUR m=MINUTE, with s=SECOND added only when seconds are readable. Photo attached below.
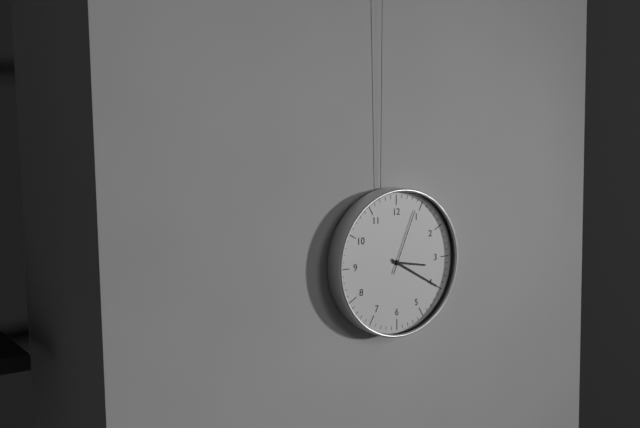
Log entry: h=3 m=20 s=4
